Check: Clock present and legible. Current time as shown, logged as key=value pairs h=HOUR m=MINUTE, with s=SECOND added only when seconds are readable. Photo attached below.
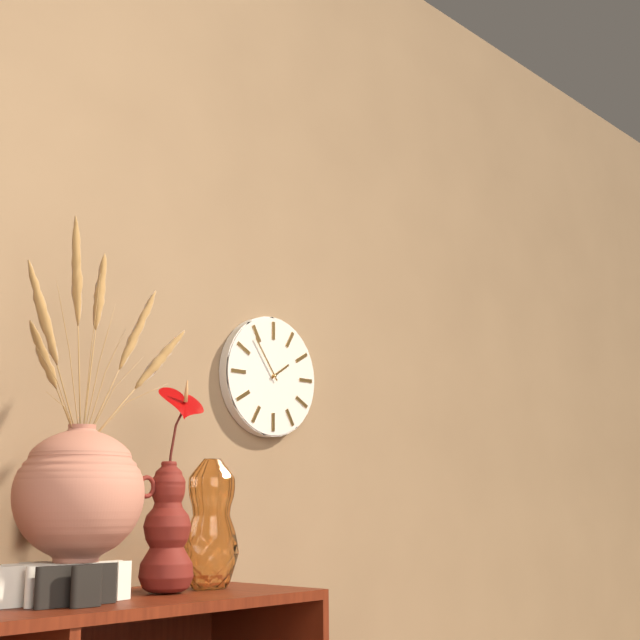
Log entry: h=1 m=54
